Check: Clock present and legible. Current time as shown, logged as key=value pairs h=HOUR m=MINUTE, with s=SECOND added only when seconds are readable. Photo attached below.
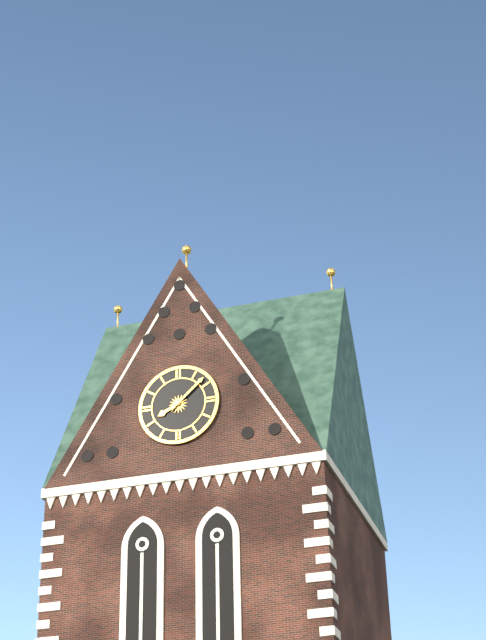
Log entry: h=8 m=8
